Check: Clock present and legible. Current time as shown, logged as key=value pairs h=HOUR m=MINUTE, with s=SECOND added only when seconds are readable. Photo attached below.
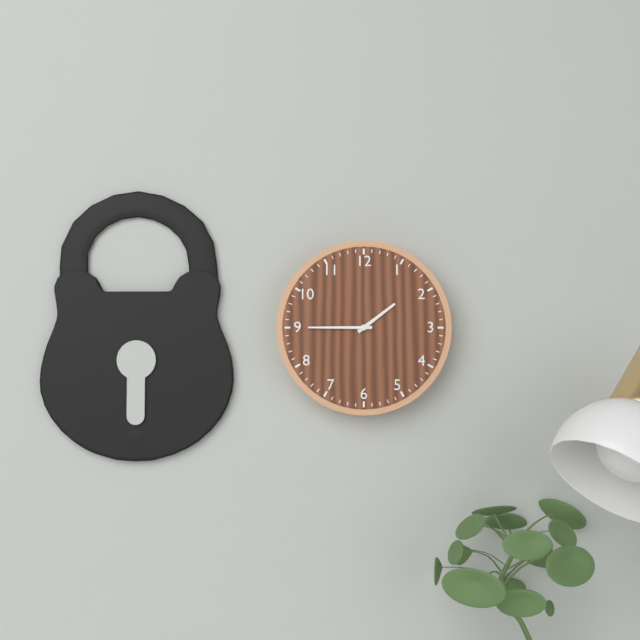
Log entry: h=1 m=45
